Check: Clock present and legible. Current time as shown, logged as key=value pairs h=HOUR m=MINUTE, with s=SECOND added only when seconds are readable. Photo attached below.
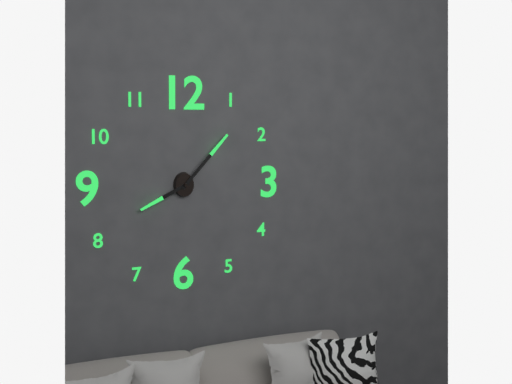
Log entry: h=8 m=7
